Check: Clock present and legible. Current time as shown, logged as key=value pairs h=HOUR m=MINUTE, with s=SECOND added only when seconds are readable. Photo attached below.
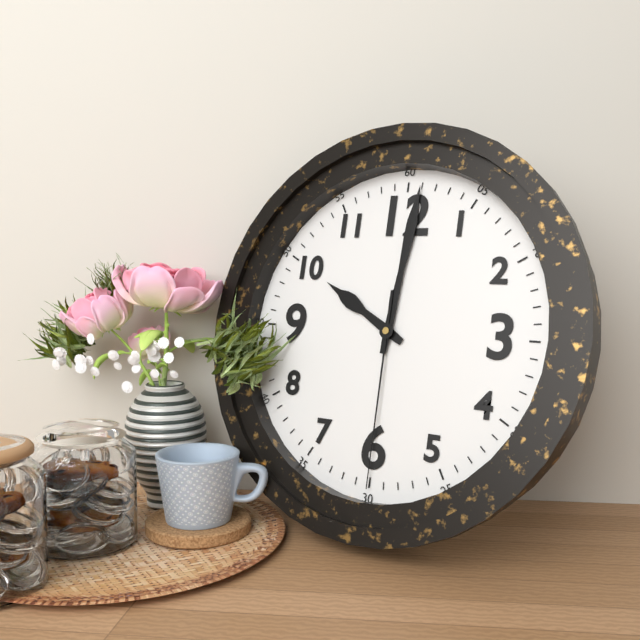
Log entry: h=10 m=1 s=30
